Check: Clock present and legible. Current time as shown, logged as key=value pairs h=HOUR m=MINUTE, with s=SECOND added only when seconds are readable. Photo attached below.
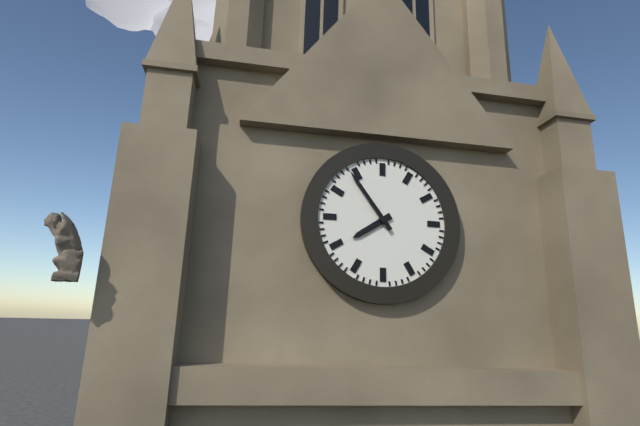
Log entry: h=7 m=54
